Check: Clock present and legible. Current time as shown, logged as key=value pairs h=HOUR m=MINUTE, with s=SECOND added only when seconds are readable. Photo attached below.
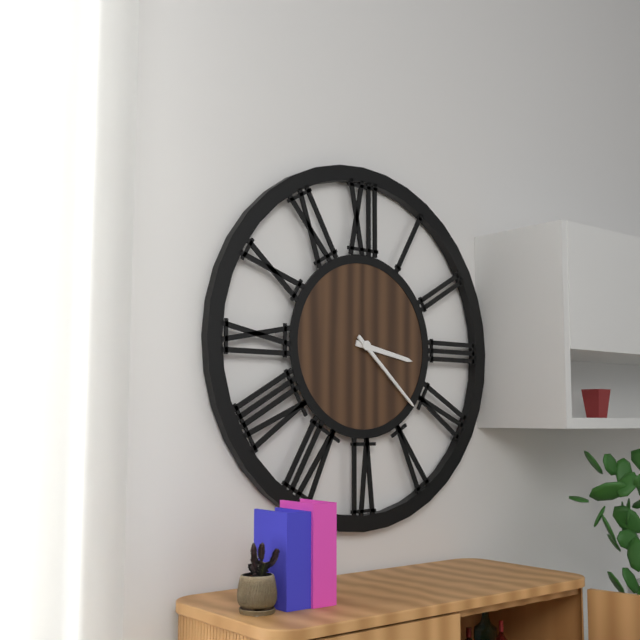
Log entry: h=3 m=22
